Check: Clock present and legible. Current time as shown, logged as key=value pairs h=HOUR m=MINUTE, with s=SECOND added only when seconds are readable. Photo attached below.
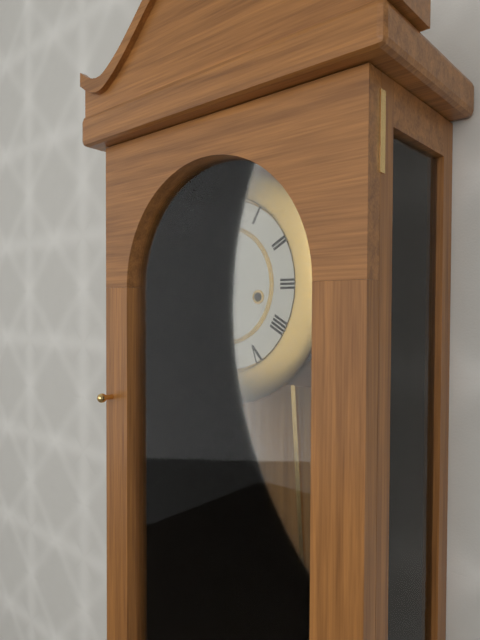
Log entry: h=10 m=38
